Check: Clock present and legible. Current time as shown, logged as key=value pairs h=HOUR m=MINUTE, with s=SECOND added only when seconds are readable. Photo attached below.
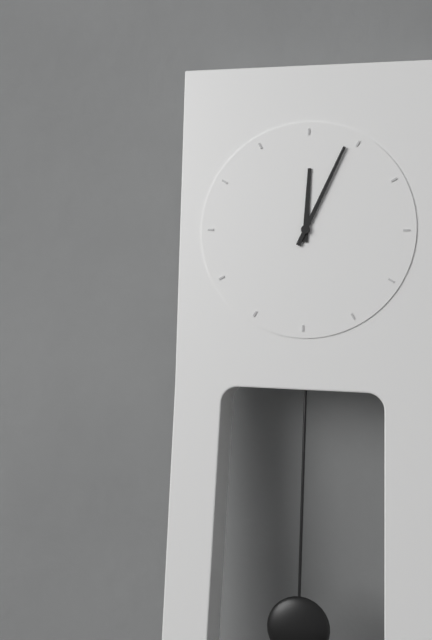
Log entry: h=12 m=4
